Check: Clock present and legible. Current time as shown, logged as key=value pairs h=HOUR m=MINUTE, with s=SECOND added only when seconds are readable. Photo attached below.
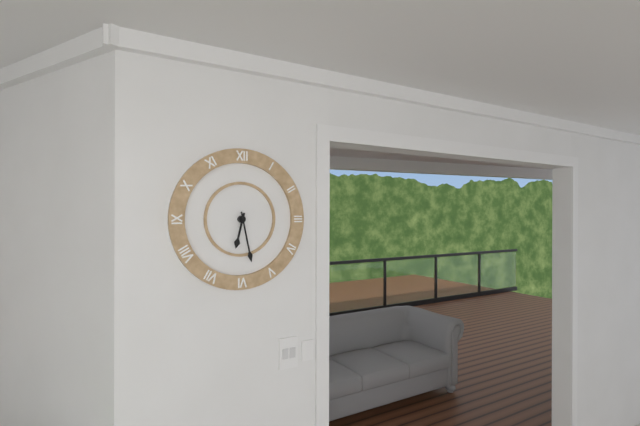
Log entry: h=6 m=28
